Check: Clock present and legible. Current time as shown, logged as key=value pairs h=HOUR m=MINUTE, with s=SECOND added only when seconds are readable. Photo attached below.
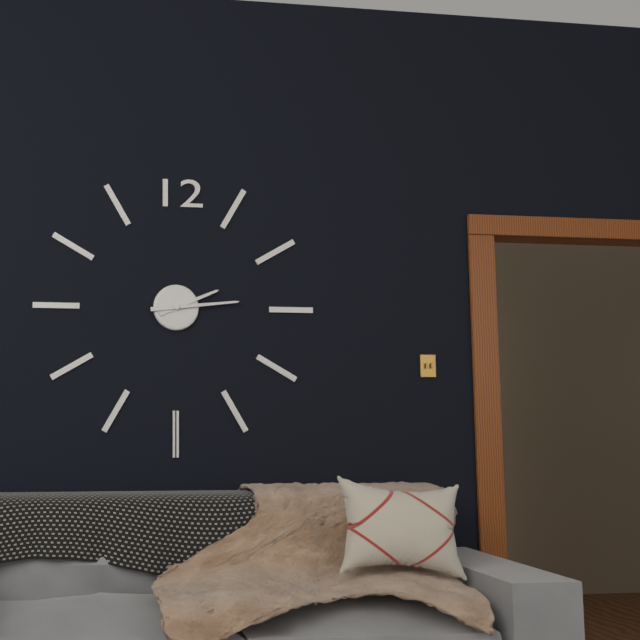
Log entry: h=2 m=14
